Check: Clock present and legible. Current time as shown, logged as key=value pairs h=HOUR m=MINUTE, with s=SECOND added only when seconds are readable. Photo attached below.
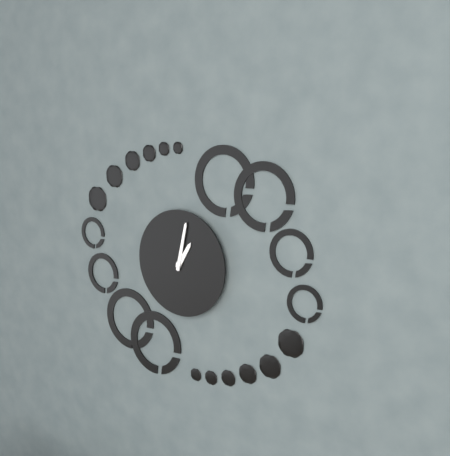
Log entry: h=1 m=2
